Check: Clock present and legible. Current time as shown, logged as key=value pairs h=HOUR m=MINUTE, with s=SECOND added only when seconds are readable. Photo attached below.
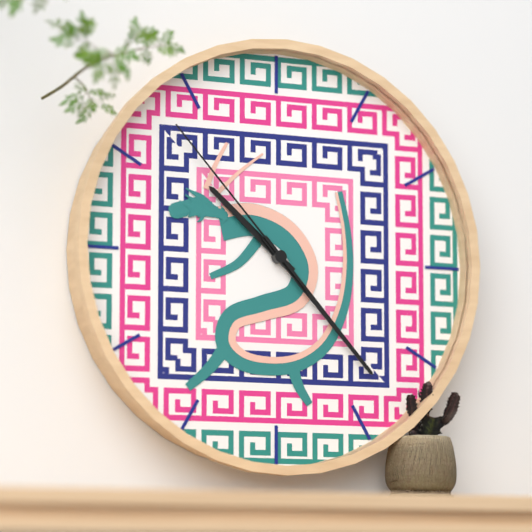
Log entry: h=10 m=23 s=53
